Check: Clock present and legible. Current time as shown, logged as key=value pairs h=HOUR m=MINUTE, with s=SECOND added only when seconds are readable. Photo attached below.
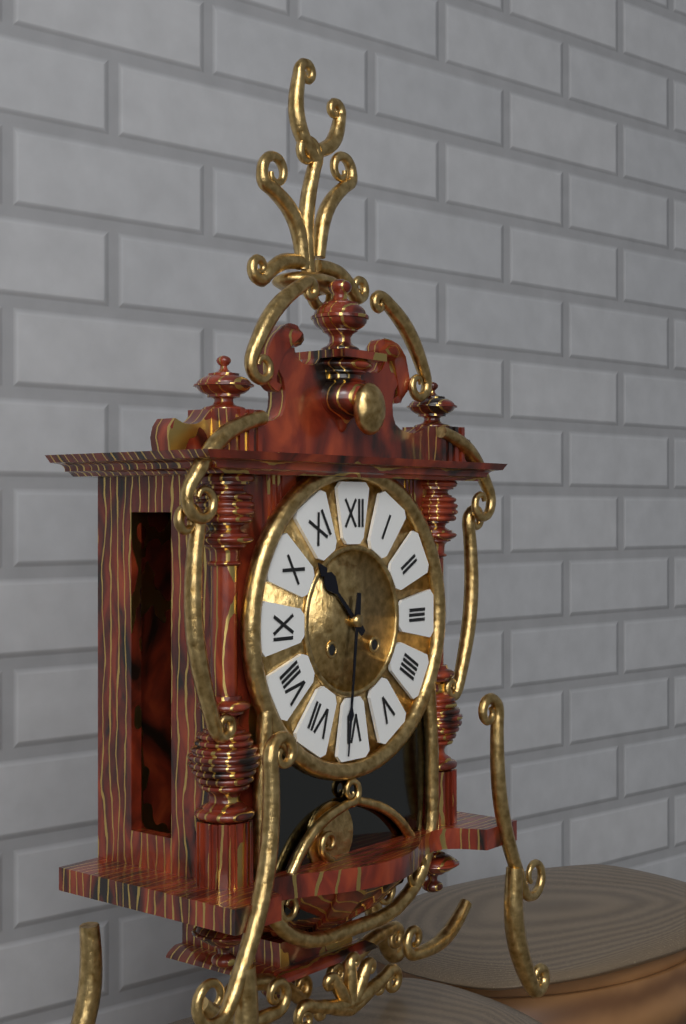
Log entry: h=10 m=31
